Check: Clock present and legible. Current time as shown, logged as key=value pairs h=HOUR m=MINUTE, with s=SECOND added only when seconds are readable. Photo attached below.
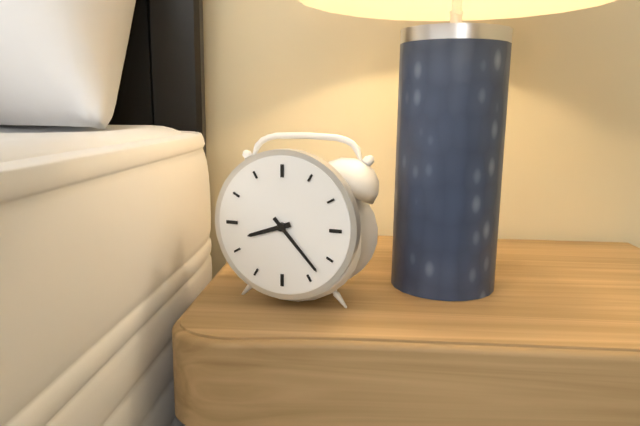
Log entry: h=8 m=23
